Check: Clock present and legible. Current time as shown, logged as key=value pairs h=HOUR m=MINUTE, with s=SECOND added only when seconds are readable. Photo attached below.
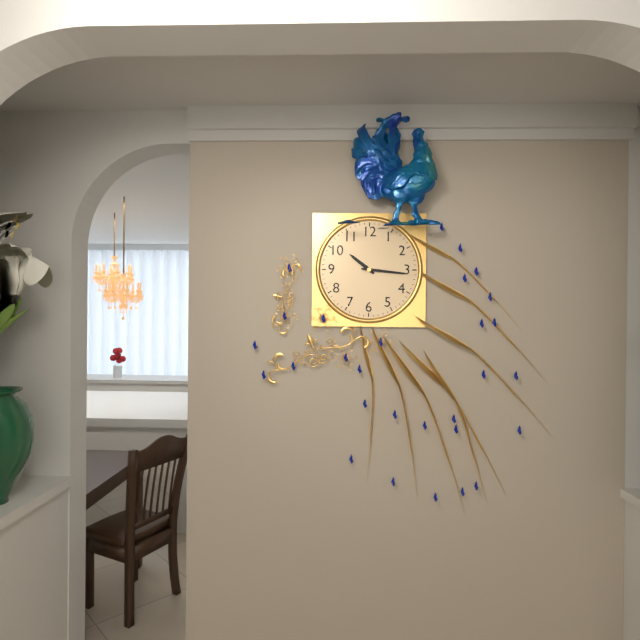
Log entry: h=10 m=16
